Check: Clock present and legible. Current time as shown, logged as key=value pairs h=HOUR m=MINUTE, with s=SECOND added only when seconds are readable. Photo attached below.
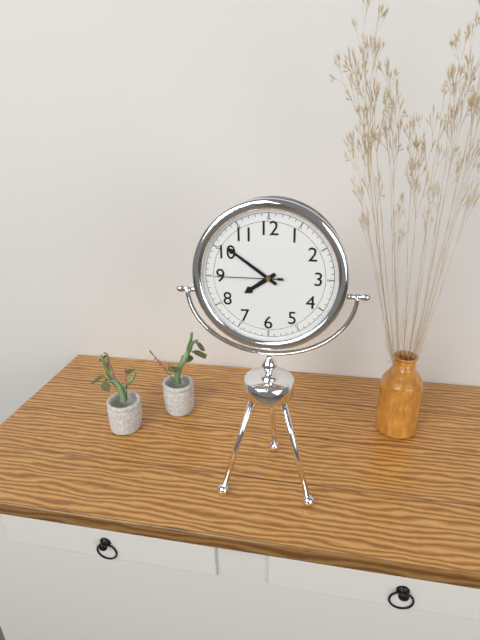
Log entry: h=7 m=51 s=45
